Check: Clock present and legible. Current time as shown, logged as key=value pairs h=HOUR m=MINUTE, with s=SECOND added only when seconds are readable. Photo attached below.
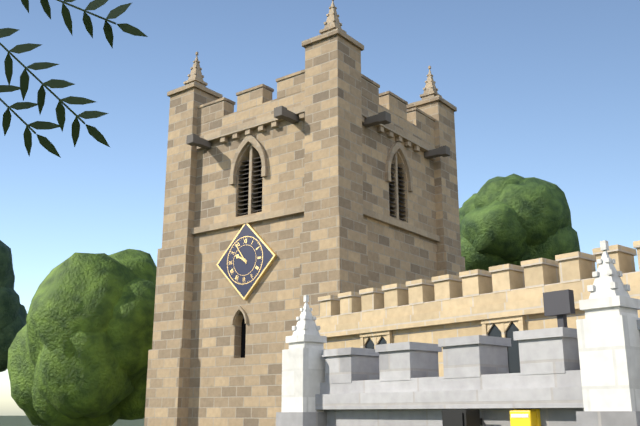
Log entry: h=9 m=54
